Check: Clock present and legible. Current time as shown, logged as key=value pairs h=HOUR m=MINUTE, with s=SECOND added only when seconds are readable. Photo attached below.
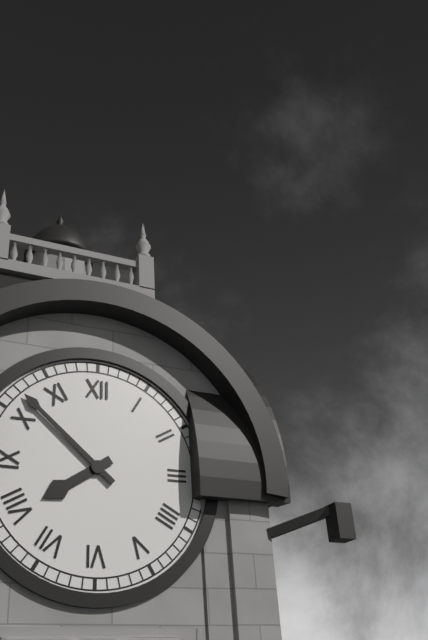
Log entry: h=7 m=52
